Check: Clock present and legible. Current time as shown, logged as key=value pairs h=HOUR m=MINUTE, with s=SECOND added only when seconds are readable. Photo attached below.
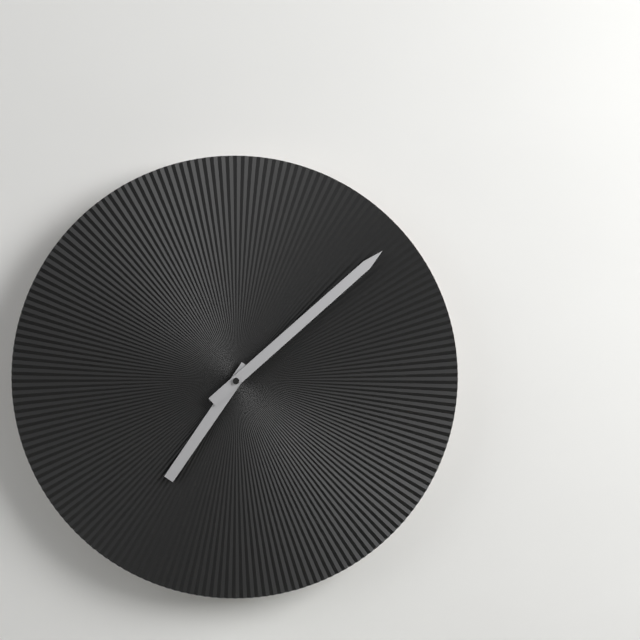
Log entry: h=7 m=8
